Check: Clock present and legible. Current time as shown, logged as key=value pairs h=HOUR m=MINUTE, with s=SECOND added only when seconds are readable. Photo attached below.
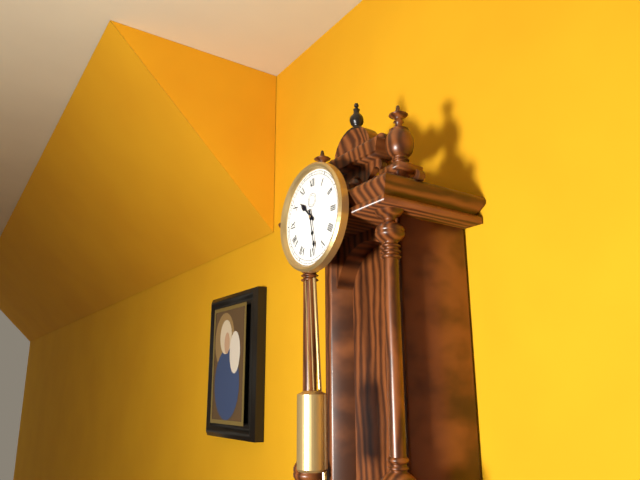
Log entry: h=10 m=28
